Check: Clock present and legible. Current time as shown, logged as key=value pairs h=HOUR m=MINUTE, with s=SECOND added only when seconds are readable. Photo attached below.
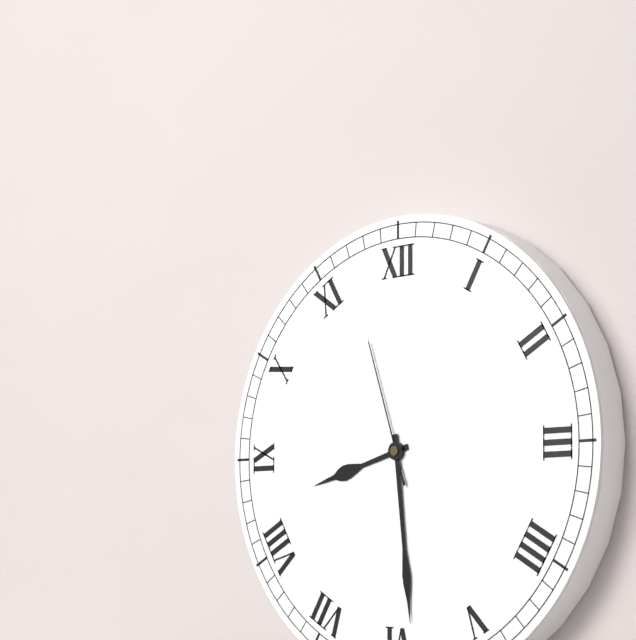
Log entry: h=8 m=29 s=57
